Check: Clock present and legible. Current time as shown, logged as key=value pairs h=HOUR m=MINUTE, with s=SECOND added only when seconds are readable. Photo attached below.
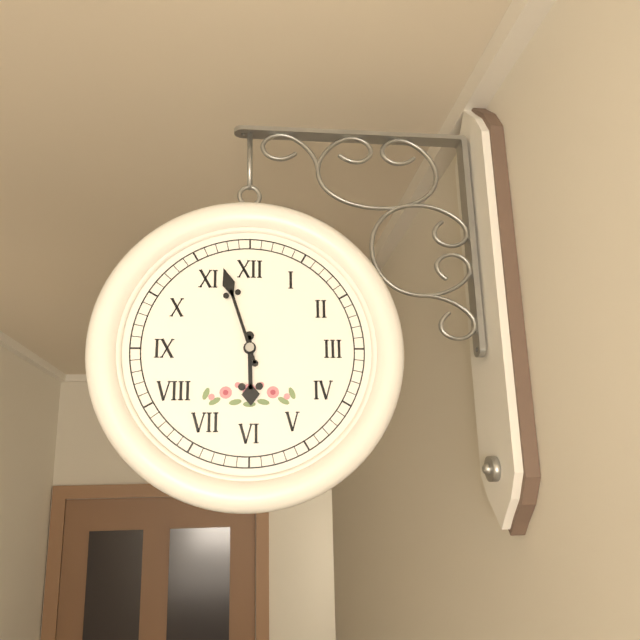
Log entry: h=5 m=57
